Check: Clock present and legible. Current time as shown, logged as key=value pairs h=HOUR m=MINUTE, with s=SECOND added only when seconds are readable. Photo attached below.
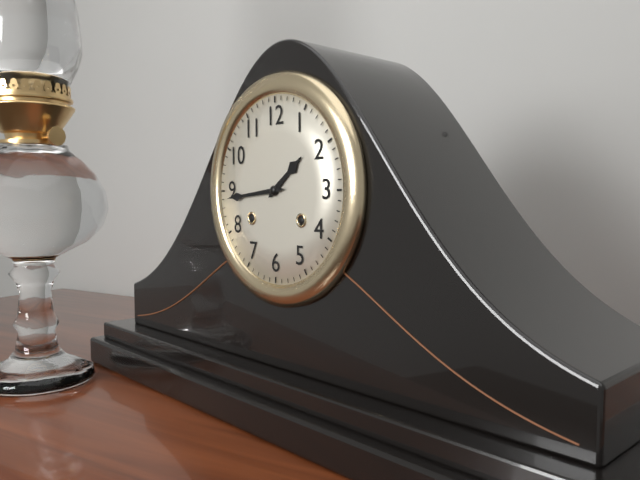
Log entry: h=1 m=44
